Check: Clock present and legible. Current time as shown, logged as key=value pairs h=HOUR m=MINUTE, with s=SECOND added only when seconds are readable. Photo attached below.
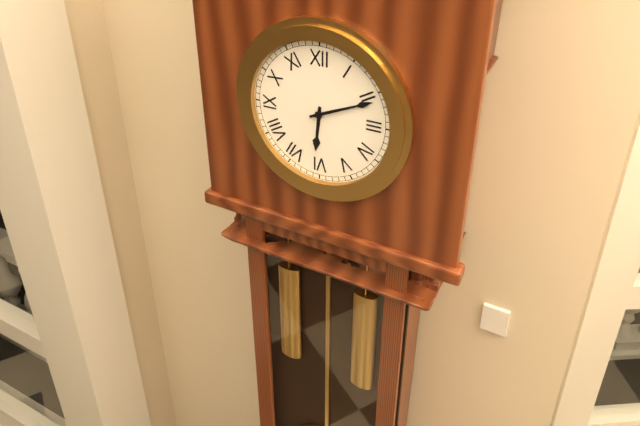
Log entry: h=6 m=11
